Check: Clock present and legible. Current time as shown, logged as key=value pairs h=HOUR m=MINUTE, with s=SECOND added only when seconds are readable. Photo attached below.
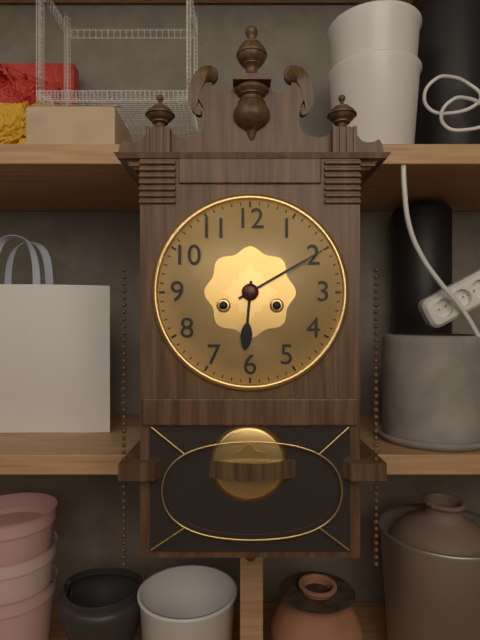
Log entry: h=6 m=10
